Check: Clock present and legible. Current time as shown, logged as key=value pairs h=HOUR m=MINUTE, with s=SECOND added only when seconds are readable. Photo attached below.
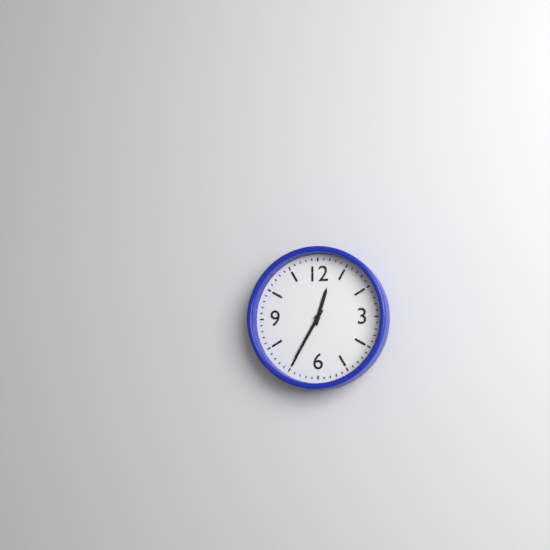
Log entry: h=12 m=35
